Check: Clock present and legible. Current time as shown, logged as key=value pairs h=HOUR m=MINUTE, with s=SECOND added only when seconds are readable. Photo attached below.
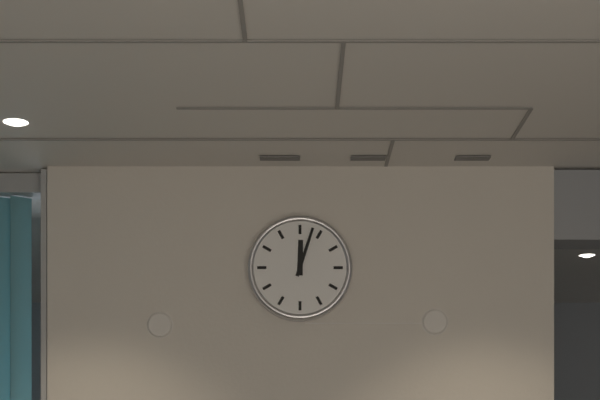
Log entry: h=12 m=3
